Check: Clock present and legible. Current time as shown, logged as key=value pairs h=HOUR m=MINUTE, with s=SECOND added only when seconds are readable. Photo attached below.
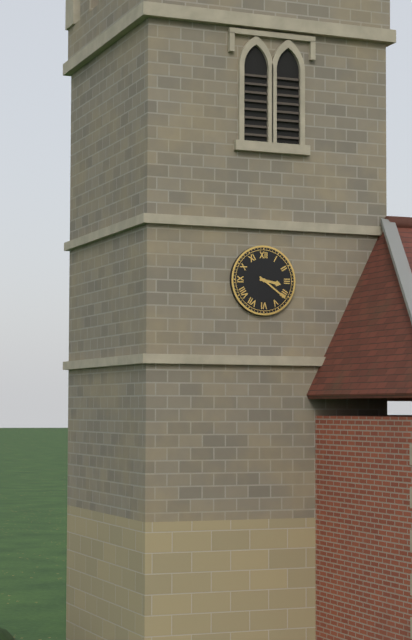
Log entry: h=3 m=21
